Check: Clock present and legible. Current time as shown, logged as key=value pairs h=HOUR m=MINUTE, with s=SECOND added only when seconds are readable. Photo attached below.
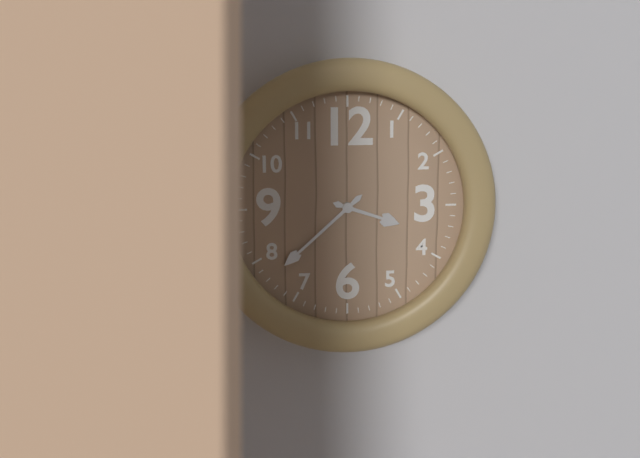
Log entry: h=3 m=38
